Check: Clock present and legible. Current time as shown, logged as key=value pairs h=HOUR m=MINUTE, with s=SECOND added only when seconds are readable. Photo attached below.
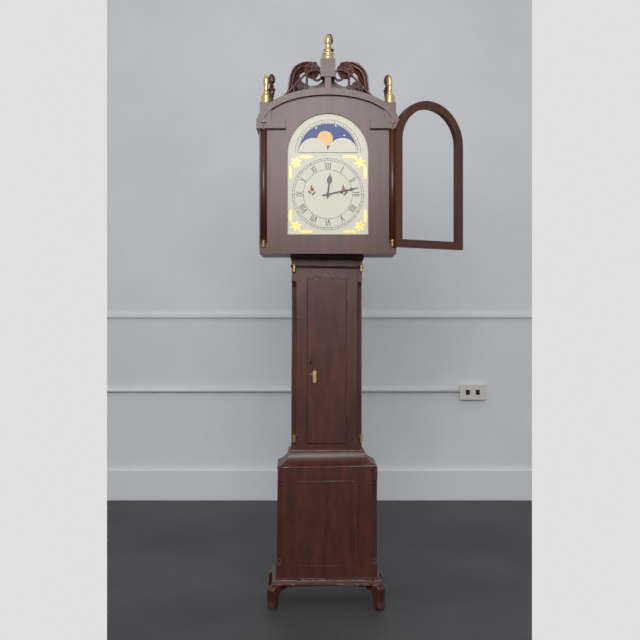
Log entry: h=12 m=13
